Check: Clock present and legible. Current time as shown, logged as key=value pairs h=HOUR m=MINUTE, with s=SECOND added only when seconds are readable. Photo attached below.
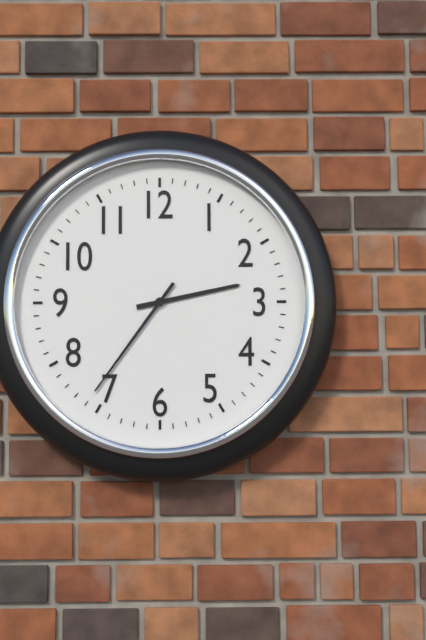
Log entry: h=2 m=36
